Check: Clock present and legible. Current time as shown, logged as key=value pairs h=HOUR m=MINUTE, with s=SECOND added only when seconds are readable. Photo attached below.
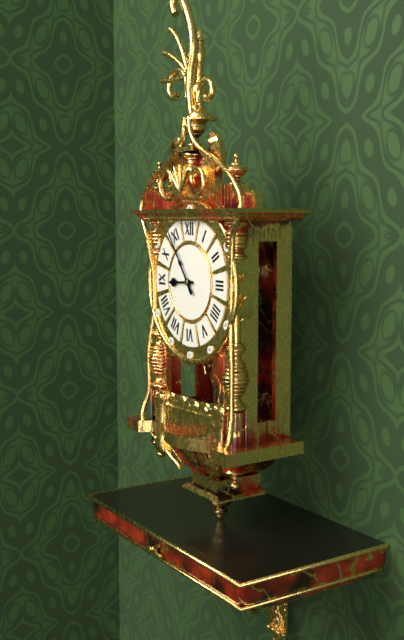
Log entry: h=8 m=54
